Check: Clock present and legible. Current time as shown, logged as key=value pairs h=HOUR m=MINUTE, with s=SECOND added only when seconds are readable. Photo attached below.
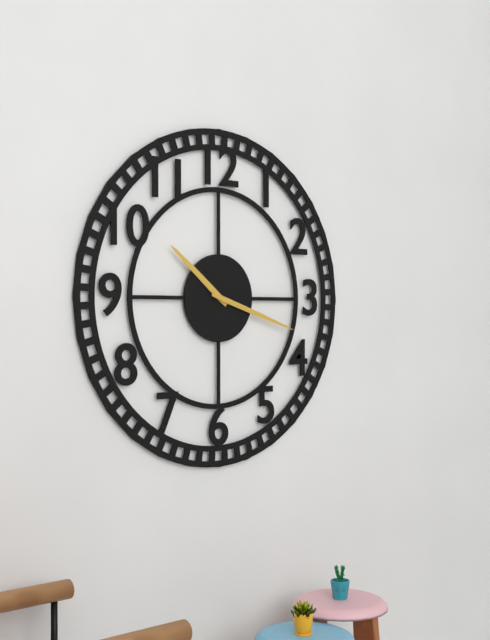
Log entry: h=10 m=18
